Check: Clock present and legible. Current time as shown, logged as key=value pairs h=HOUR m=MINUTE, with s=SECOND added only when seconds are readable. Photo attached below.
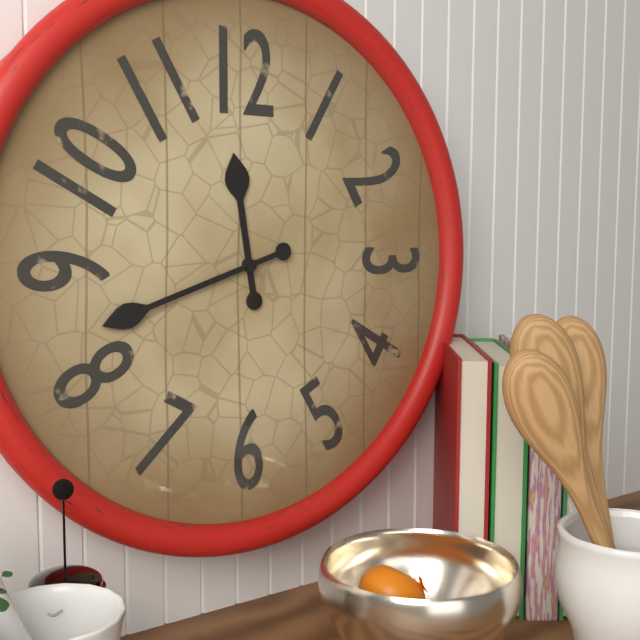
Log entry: h=11 m=42
